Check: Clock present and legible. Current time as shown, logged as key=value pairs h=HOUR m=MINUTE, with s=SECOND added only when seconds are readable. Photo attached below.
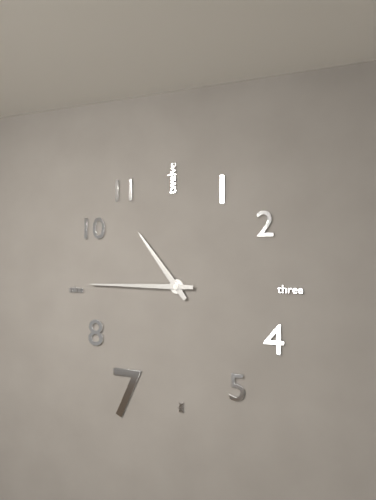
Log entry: h=10 m=45
